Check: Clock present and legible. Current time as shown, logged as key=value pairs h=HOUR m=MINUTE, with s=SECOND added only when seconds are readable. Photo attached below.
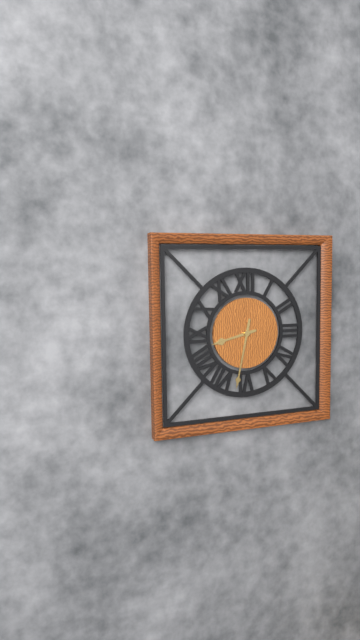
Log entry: h=8 m=32
